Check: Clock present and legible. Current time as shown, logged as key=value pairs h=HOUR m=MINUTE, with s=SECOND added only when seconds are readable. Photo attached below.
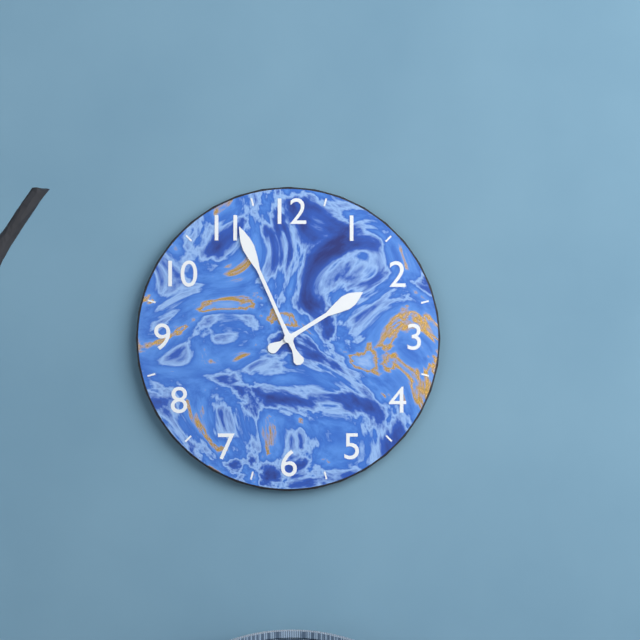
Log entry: h=1 m=56
